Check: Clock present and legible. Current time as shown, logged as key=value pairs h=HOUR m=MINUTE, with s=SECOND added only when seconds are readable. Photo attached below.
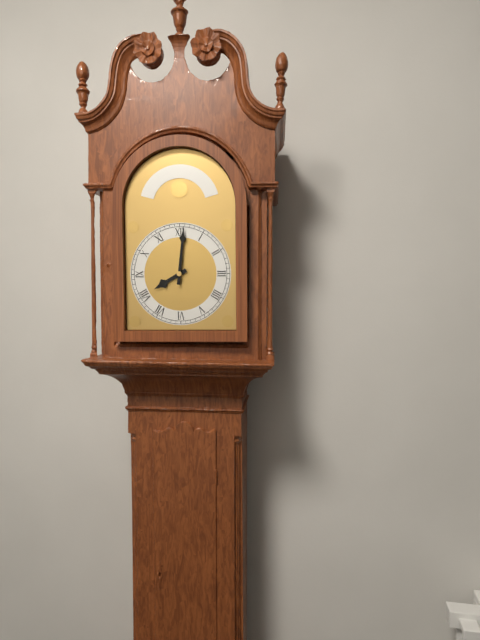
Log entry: h=8 m=1
